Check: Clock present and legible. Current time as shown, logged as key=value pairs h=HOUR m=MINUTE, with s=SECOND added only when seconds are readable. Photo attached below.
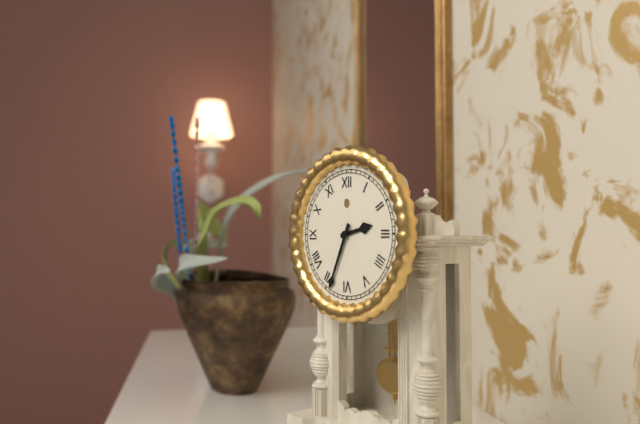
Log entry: h=2 m=34
